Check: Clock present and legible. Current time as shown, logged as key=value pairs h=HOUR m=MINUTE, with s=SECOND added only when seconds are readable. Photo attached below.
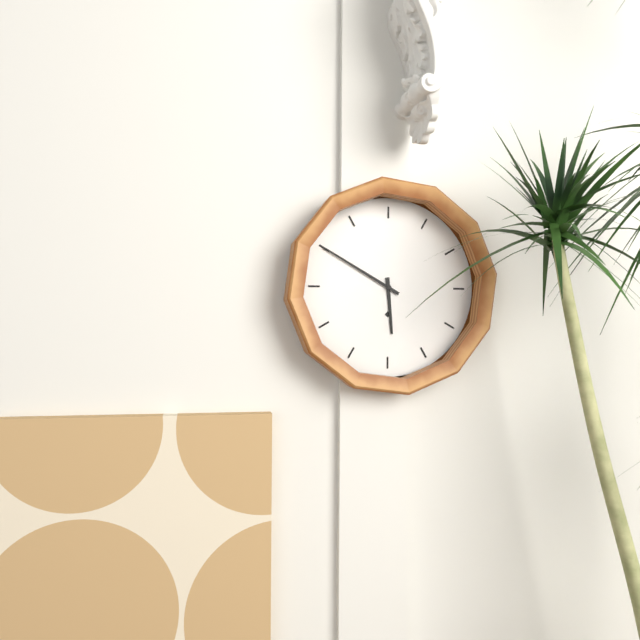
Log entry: h=5 m=50
